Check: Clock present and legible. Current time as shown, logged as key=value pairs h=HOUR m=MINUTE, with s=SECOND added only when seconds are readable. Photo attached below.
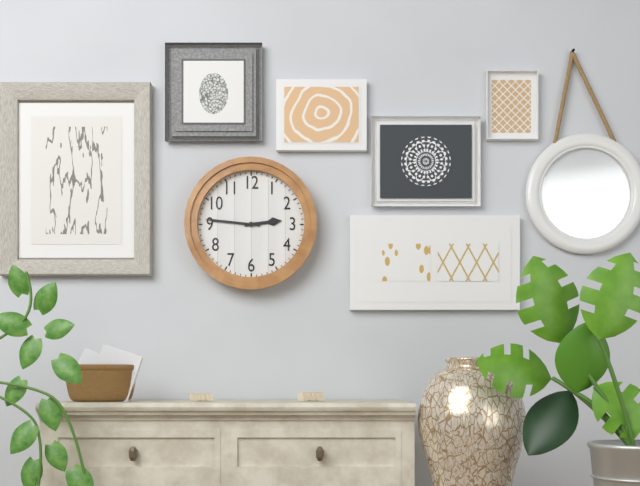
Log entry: h=2 m=46
